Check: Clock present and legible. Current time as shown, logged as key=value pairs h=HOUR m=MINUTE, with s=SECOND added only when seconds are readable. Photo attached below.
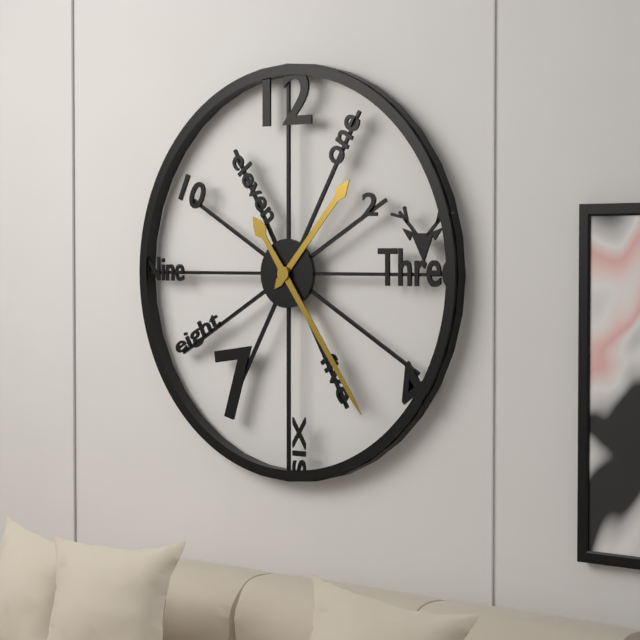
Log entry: h=1 m=24
